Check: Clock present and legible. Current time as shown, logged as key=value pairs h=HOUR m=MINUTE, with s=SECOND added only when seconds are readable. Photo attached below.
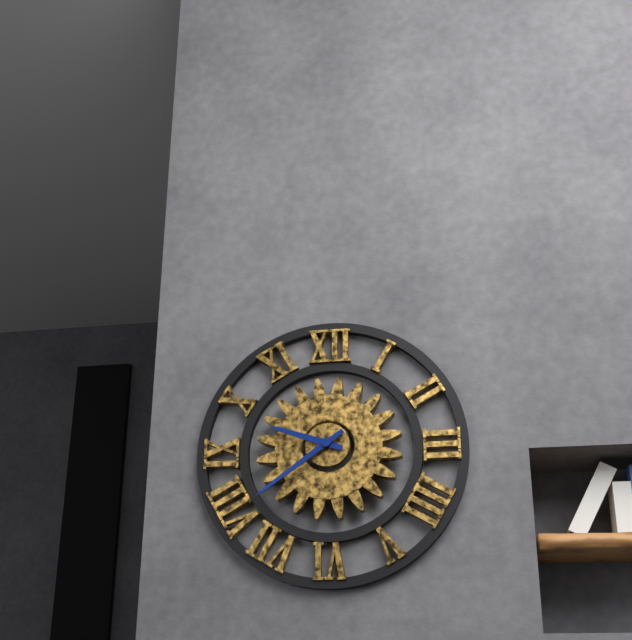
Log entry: h=9 m=39
